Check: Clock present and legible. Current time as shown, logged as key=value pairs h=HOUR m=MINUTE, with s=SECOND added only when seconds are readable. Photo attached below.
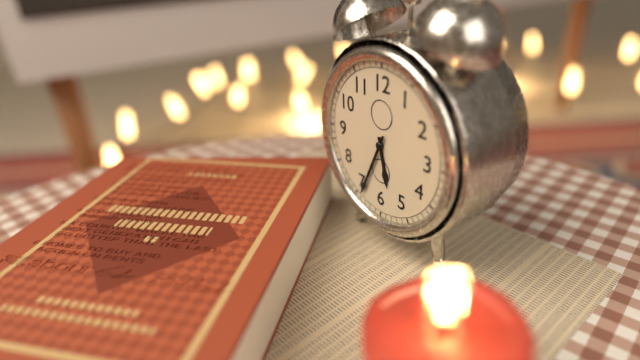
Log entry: h=5 m=34
